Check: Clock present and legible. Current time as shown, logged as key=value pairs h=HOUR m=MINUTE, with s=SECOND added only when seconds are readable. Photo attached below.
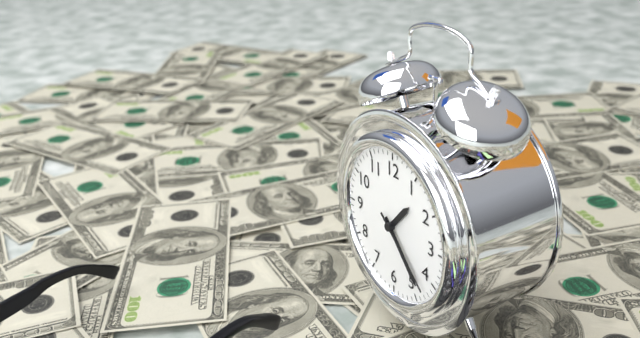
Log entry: h=1 m=23 s=22
